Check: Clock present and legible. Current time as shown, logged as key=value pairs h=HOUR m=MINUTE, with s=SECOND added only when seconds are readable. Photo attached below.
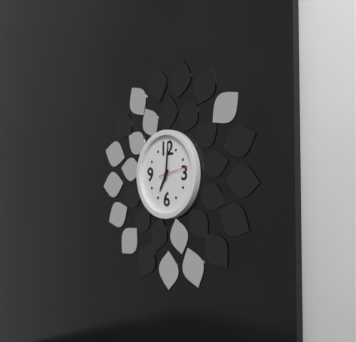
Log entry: h=7 m=1
